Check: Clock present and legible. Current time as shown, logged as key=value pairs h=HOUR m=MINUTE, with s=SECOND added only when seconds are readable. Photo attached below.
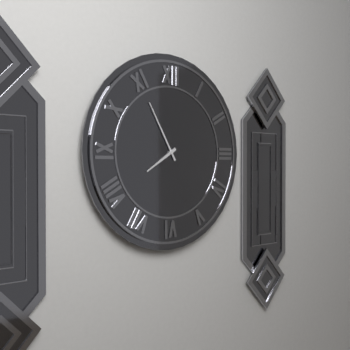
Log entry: h=7 m=55
